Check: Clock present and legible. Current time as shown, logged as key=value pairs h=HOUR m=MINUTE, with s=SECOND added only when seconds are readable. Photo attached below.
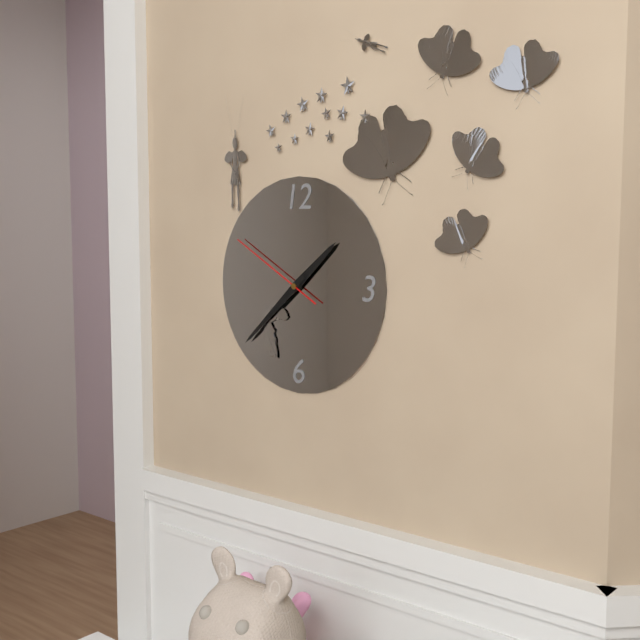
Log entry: h=1 m=38 s=50
